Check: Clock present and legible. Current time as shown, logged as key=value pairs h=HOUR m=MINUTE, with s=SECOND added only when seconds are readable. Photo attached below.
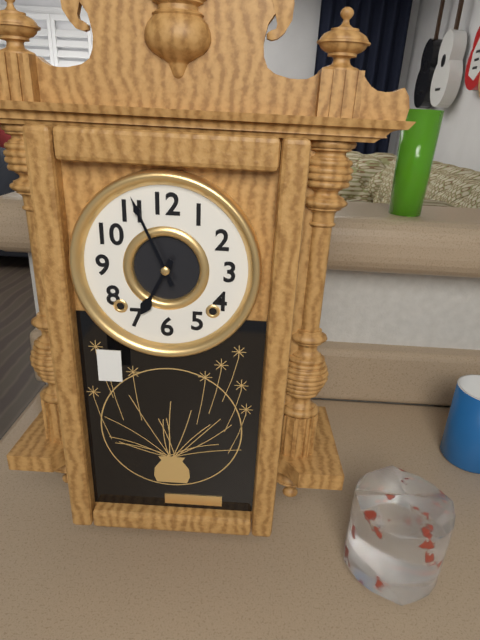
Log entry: h=6 m=56
